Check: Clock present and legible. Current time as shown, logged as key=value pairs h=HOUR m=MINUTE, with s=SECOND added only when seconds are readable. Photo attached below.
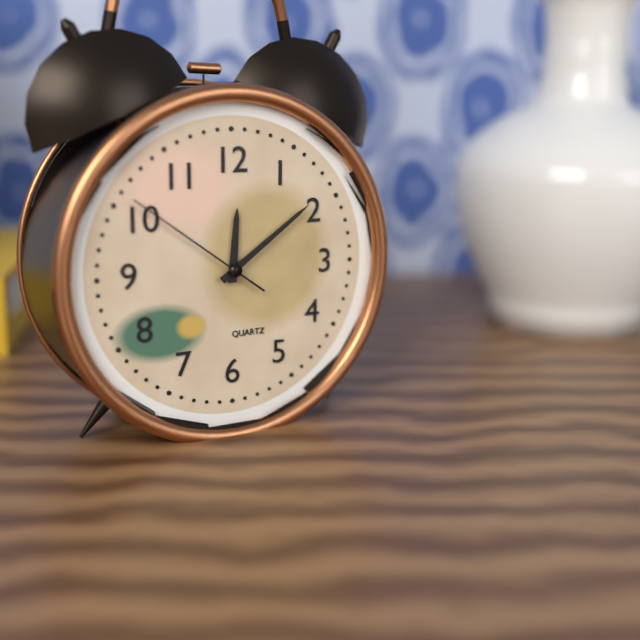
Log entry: h=12 m=9 s=51
